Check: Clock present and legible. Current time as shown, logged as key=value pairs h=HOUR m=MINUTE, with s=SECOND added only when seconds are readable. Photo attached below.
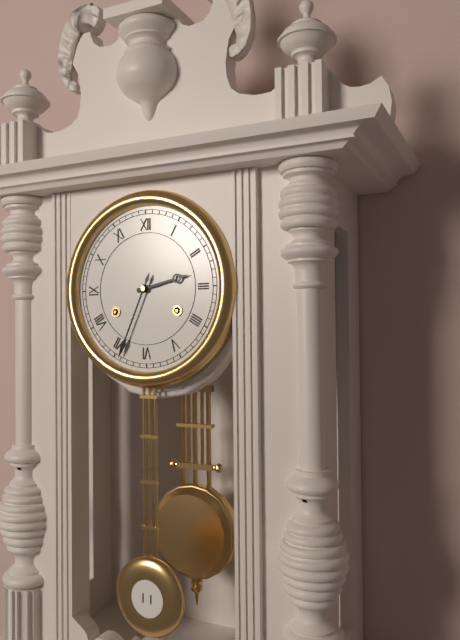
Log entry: h=2 m=34
